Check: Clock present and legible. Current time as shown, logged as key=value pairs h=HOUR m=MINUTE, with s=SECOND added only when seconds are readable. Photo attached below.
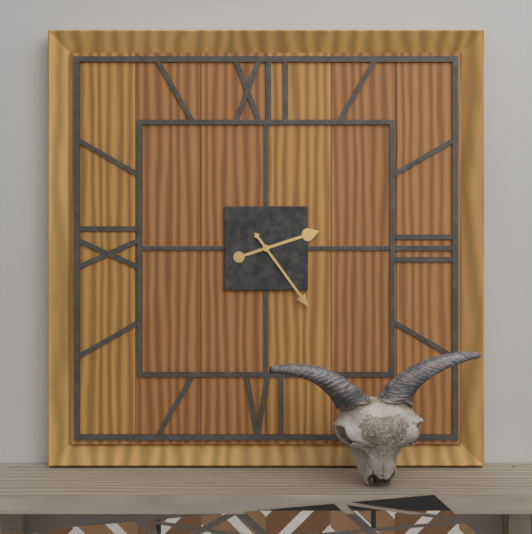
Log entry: h=2 m=24
